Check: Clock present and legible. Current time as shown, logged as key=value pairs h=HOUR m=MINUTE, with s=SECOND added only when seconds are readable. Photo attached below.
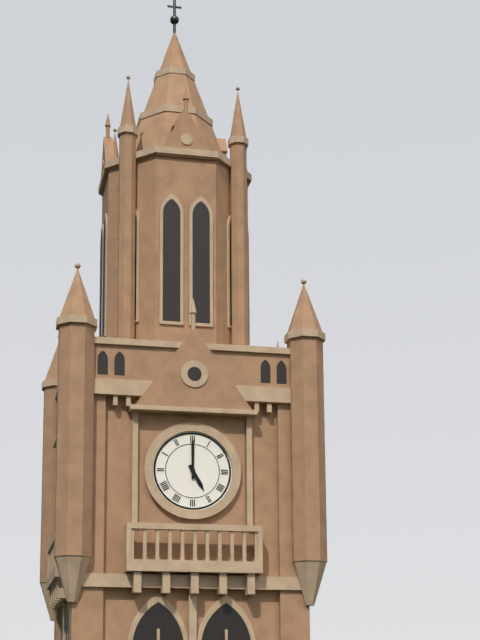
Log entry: h=5 m=0
